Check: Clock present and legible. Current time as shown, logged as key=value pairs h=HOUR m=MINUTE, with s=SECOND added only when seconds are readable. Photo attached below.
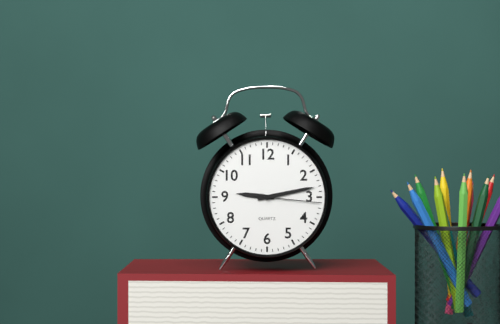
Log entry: h=9 m=13 s=16
